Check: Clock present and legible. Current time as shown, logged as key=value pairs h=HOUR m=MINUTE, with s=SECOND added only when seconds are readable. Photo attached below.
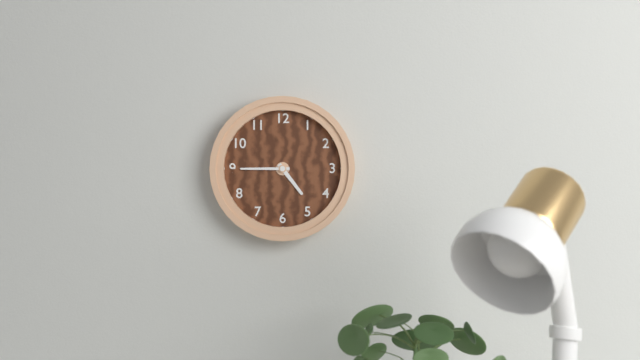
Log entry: h=4 m=45
